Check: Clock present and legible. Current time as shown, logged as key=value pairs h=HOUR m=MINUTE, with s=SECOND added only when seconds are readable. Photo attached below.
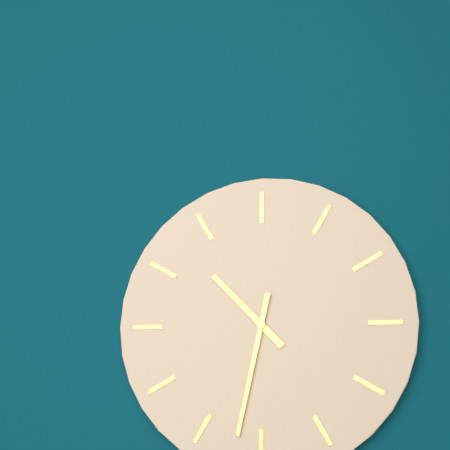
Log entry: h=10 m=32
